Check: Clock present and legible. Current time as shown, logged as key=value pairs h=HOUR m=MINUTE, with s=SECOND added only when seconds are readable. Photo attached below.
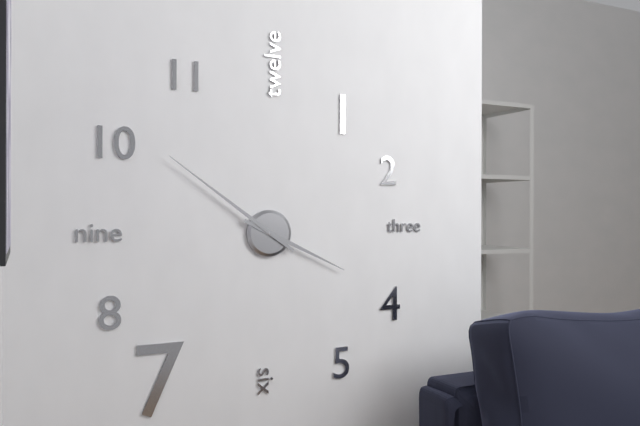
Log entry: h=3 m=51
